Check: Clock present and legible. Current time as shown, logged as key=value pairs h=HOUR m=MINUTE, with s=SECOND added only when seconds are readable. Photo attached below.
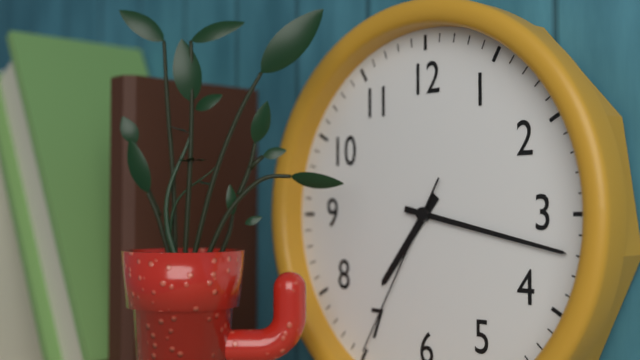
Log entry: h=7 m=17 s=35
